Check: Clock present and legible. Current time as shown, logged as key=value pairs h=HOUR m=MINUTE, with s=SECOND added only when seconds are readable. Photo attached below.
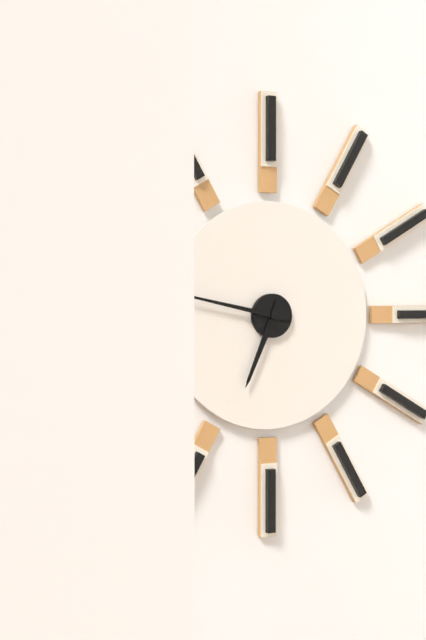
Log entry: h=6 m=47
